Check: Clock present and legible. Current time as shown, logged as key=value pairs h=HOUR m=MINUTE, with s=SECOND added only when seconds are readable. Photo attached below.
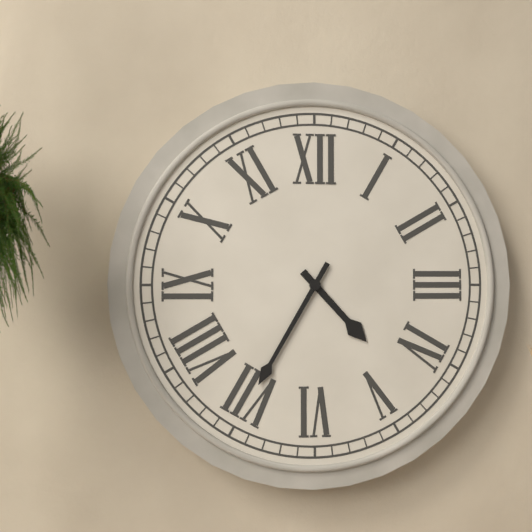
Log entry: h=4 m=35
